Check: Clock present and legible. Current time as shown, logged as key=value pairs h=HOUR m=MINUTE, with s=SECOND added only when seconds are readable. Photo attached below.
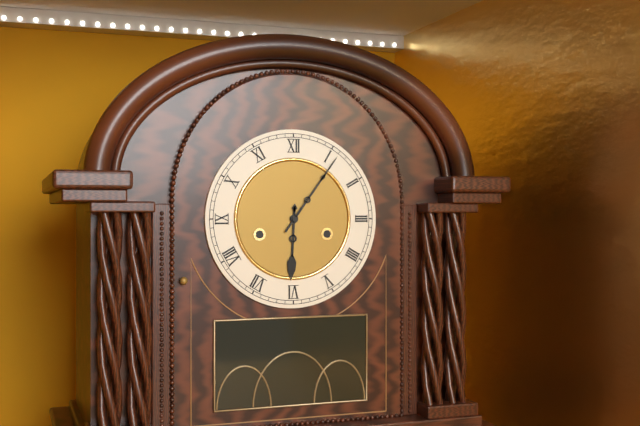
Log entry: h=6 m=6
